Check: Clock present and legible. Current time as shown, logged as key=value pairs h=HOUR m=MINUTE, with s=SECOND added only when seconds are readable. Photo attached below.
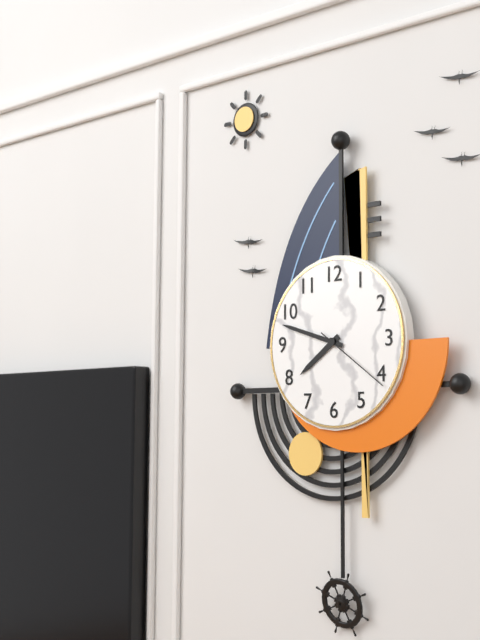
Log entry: h=7 m=48 s=21
